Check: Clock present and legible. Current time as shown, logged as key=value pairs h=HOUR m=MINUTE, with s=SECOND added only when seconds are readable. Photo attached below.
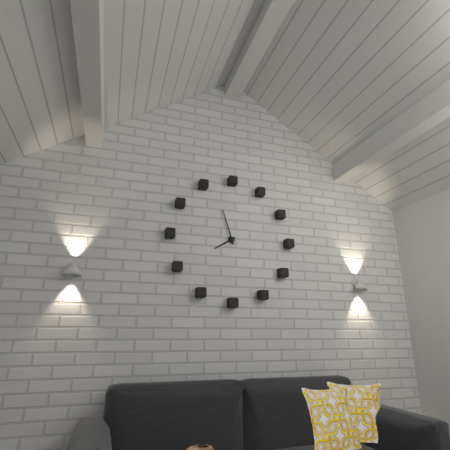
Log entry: h=7 m=57
